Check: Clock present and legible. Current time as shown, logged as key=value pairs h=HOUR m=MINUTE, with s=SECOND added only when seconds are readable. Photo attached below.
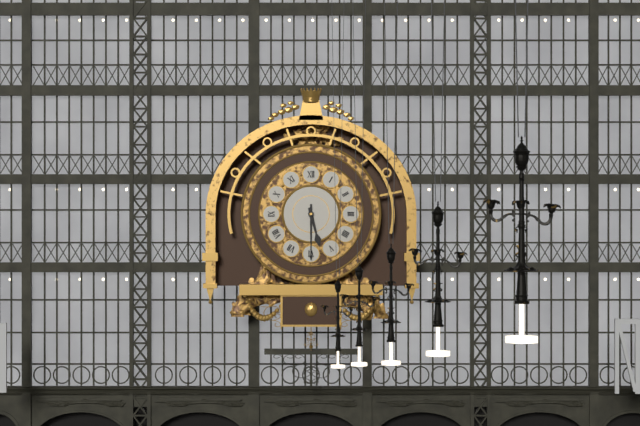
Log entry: h=5 m=30
